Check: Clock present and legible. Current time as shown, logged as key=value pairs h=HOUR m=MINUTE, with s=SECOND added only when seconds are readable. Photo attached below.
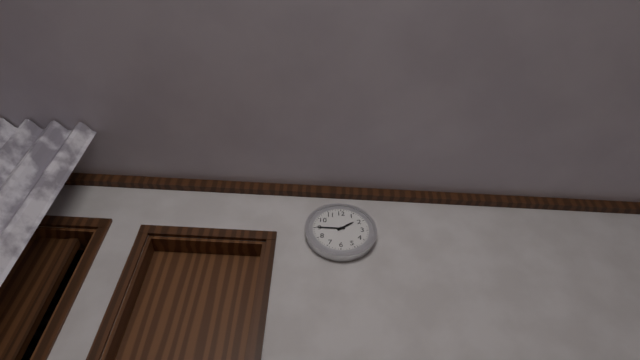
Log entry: h=1 m=45
